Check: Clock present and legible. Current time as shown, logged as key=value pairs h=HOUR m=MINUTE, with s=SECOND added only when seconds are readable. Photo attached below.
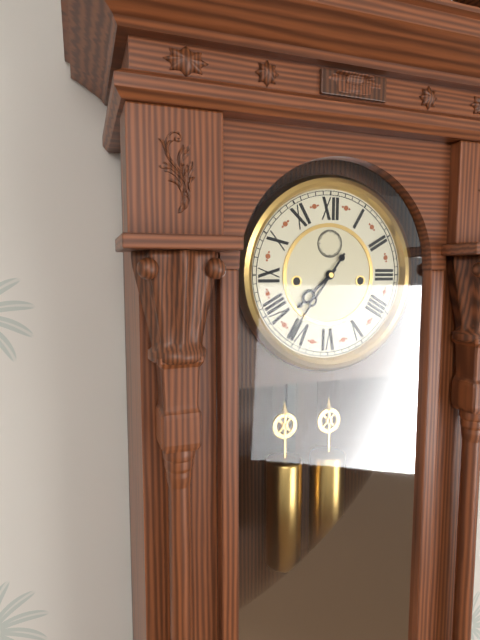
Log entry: h=7 m=36
